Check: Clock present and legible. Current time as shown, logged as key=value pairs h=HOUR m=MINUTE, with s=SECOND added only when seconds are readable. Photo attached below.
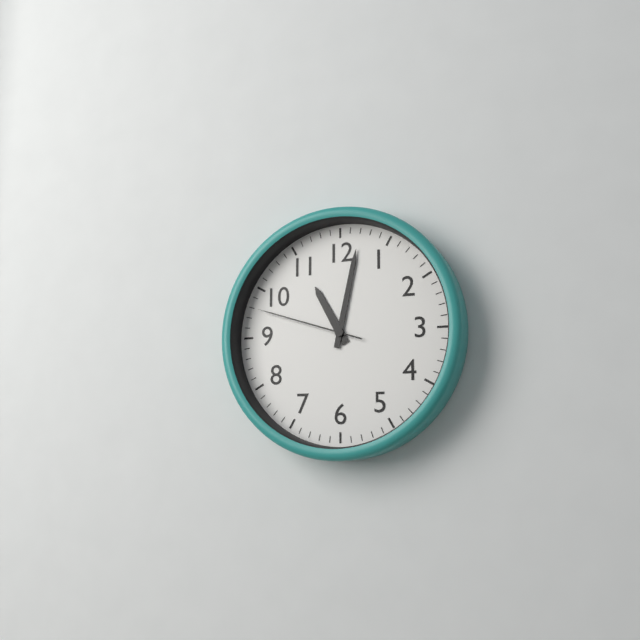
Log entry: h=11 m=2 s=48
